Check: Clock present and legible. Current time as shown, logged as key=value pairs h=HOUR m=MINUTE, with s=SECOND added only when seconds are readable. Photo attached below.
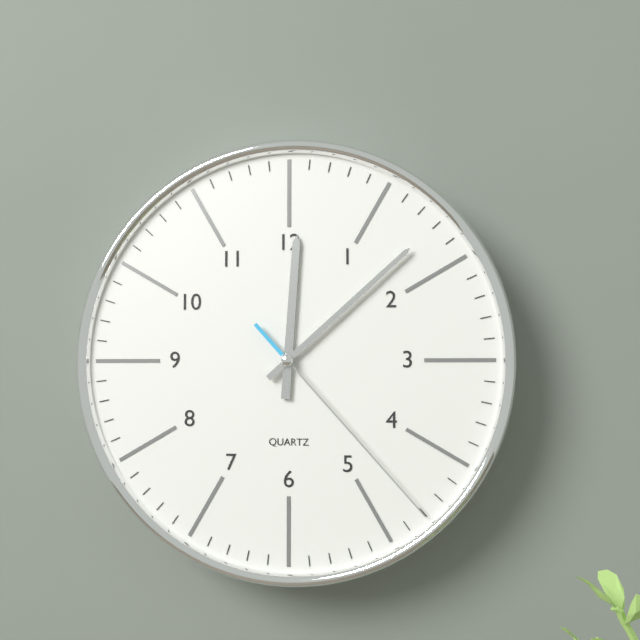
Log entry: h=12 m=8 s=23
